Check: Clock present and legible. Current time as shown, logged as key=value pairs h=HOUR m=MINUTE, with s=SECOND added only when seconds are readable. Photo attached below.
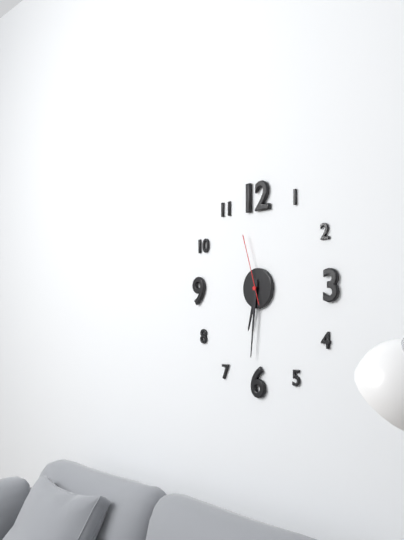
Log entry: h=6 m=31 s=57
